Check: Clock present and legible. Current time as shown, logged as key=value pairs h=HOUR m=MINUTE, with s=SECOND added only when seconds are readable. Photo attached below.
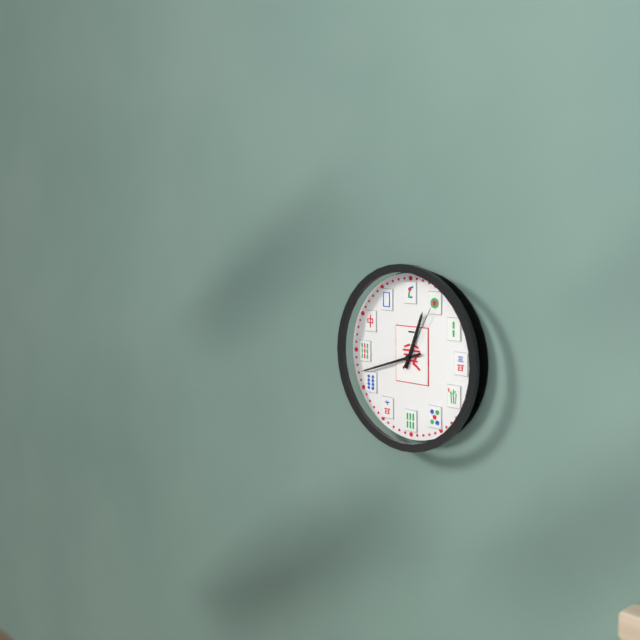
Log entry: h=12 m=42 s=5
